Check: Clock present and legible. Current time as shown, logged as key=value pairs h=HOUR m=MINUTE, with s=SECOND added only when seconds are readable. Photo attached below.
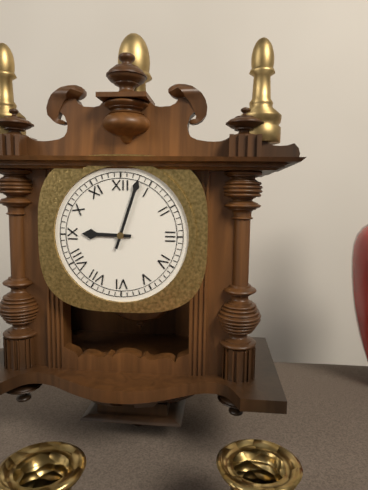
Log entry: h=9 m=3
